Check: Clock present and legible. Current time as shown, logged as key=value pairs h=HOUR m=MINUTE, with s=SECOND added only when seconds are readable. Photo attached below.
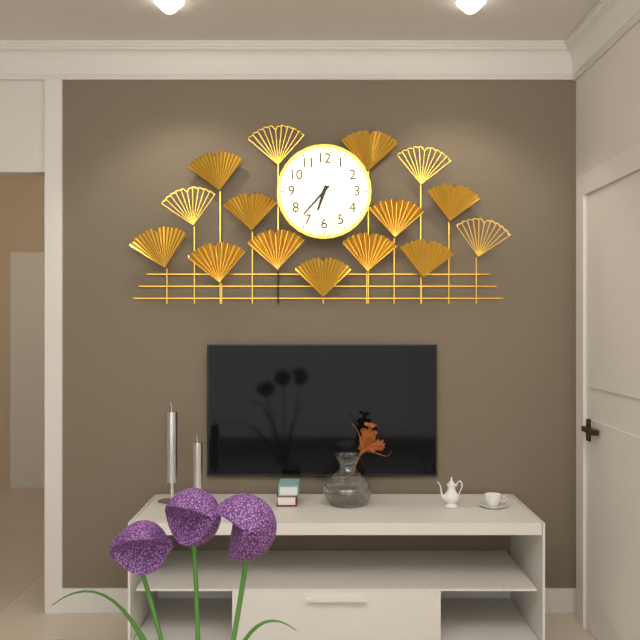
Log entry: h=6 m=37
